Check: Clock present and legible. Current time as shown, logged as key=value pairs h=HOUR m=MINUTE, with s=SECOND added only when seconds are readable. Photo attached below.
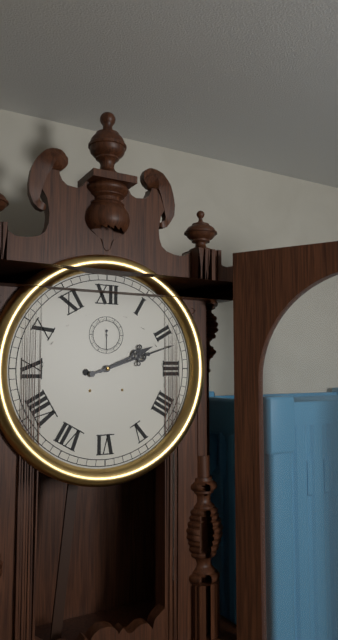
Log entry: h=2 m=12
